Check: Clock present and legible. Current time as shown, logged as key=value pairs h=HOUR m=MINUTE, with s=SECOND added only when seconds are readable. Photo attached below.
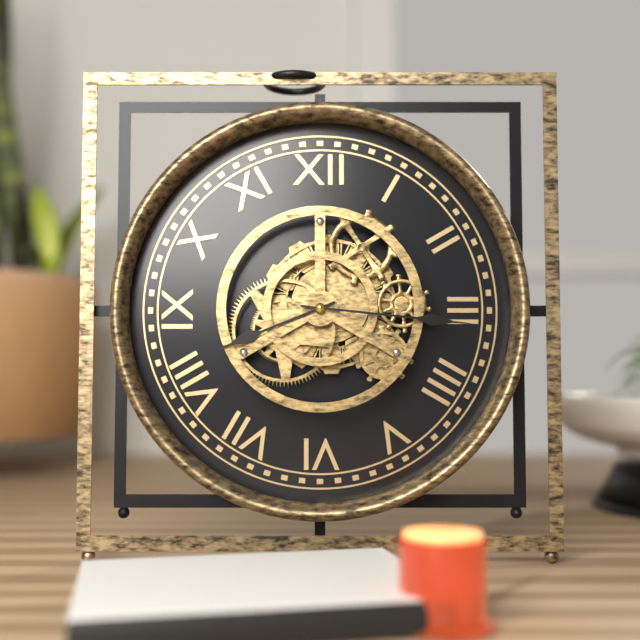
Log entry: h=8 m=16
